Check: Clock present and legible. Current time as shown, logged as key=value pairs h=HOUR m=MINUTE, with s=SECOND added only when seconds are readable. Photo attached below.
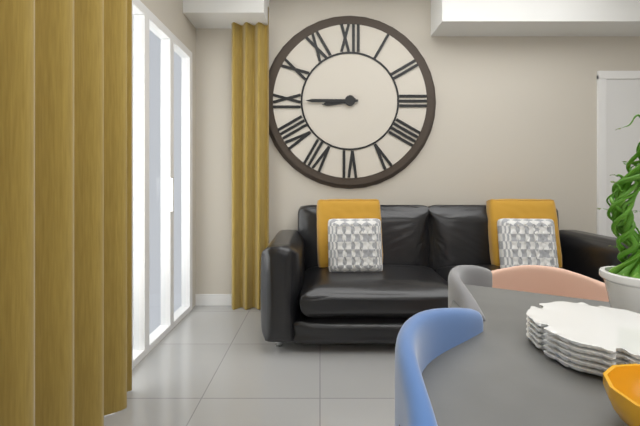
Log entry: h=8 m=45
